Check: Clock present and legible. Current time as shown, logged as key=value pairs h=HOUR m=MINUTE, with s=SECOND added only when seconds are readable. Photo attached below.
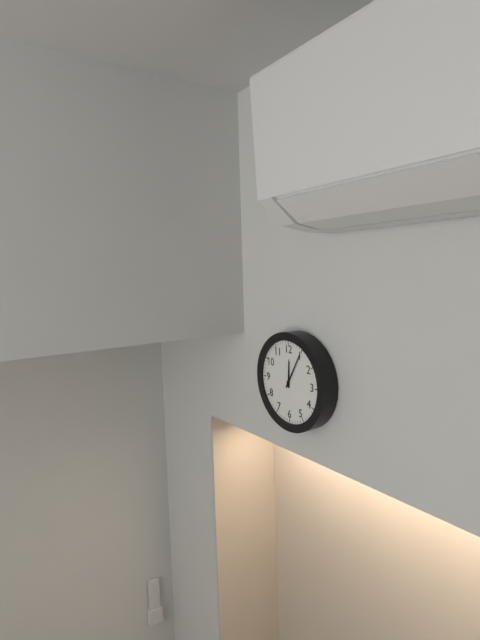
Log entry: h=12 m=5
